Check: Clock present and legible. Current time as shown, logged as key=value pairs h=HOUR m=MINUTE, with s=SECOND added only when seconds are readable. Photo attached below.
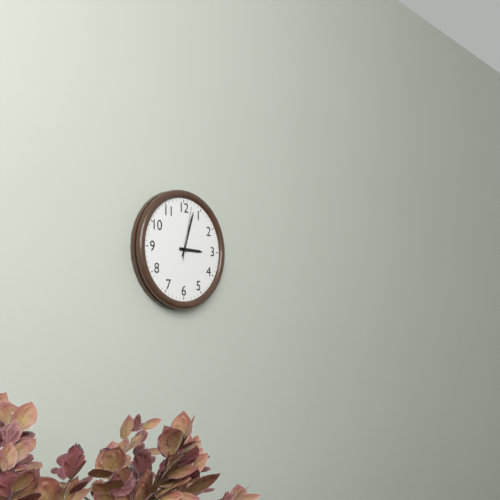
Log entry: h=3 m=3 s=2
